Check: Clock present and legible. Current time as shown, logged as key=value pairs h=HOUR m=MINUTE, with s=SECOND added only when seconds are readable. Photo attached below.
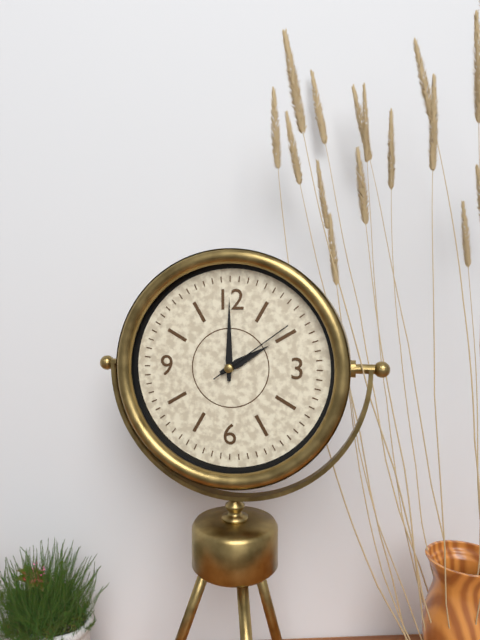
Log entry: h=2 m=0 s=9
